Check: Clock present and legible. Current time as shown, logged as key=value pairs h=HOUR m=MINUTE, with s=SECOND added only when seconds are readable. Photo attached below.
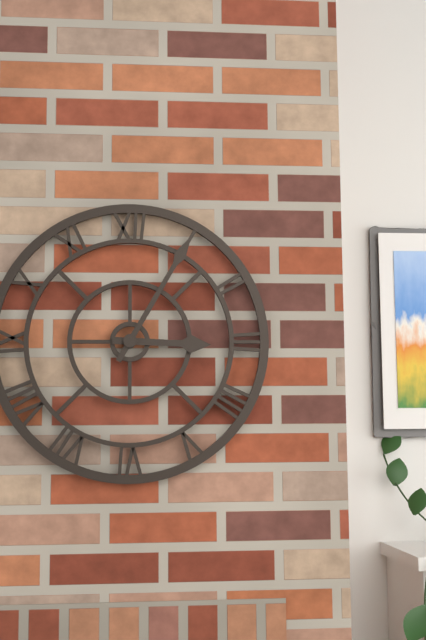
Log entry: h=3 m=5
